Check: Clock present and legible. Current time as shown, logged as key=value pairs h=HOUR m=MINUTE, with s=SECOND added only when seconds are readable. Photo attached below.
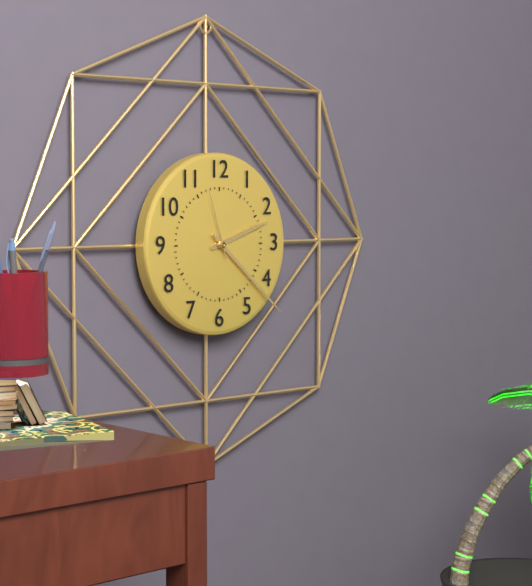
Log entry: h=2 m=22 s=57
